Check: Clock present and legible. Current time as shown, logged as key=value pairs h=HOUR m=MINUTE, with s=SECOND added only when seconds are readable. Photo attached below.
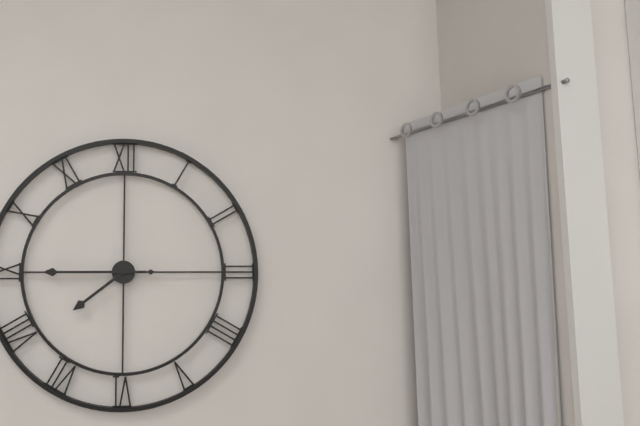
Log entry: h=7 m=45
